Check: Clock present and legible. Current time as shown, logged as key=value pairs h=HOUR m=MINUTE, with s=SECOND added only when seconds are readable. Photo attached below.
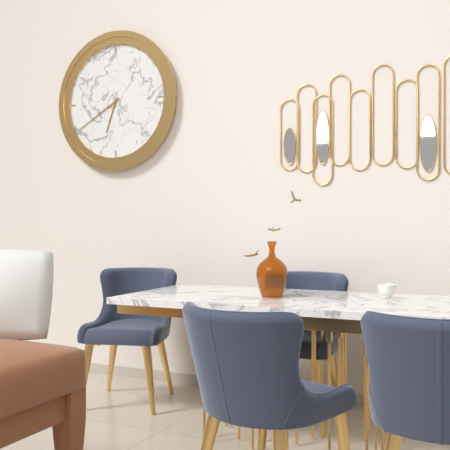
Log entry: h=6 m=40
